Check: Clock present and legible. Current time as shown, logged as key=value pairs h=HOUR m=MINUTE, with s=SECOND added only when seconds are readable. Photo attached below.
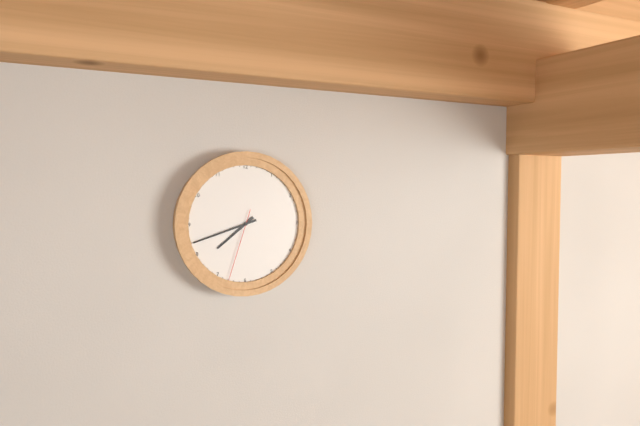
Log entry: h=7 m=42 s=33
